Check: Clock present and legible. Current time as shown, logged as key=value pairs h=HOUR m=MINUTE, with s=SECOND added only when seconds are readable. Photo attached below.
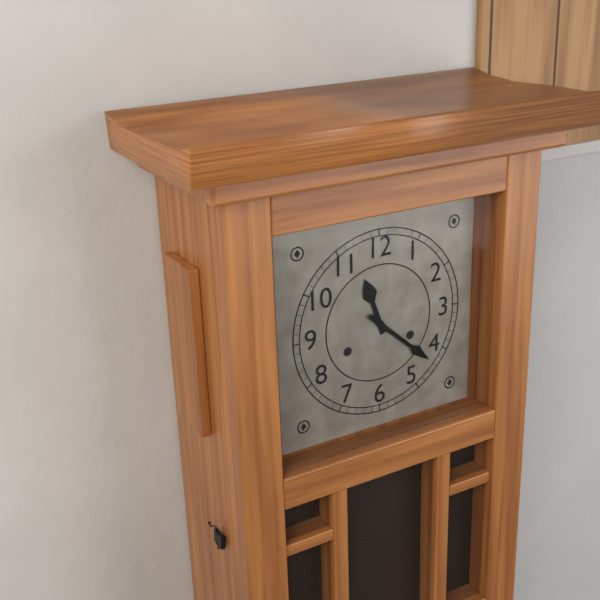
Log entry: h=11 m=22
